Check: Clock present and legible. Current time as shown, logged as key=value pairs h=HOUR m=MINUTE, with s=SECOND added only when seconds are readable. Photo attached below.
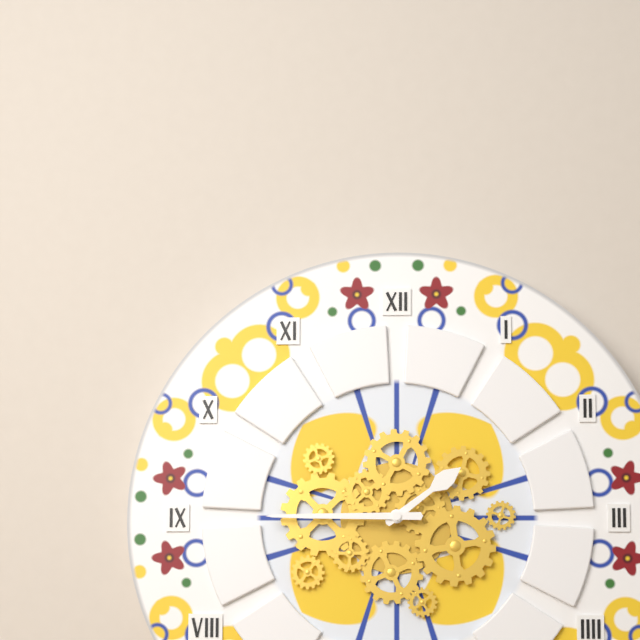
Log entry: h=1 m=45
